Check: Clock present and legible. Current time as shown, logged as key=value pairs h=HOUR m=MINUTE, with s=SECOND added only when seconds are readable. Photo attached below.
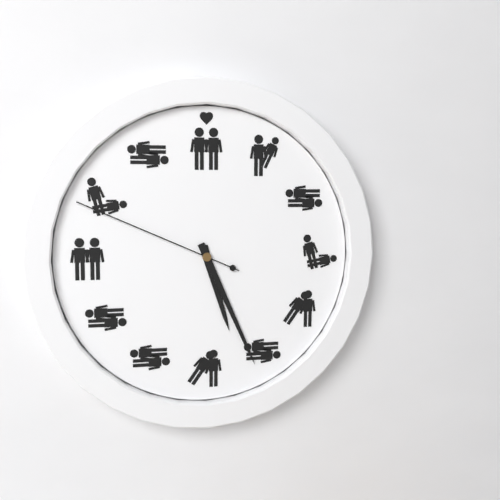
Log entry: h=5 m=26 s=49
